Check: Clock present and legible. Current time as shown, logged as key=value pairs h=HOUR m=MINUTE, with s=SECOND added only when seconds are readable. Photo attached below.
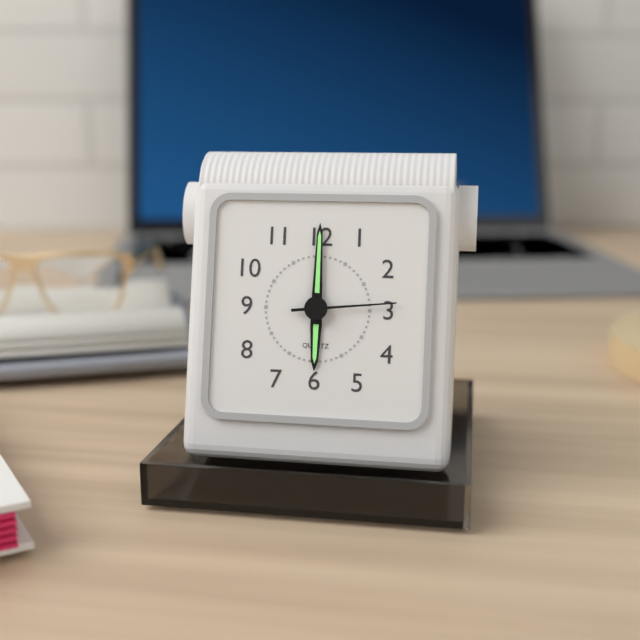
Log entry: h=6 m=0 s=14
